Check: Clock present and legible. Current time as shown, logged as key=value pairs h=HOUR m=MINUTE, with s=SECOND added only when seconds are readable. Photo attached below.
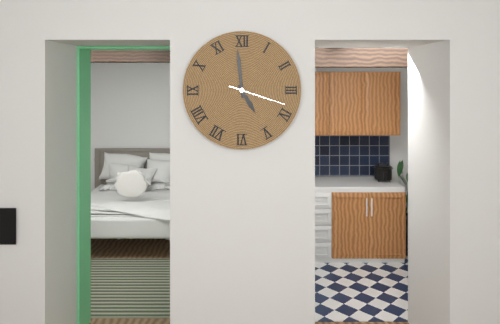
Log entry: h=4 m=59 s=18
